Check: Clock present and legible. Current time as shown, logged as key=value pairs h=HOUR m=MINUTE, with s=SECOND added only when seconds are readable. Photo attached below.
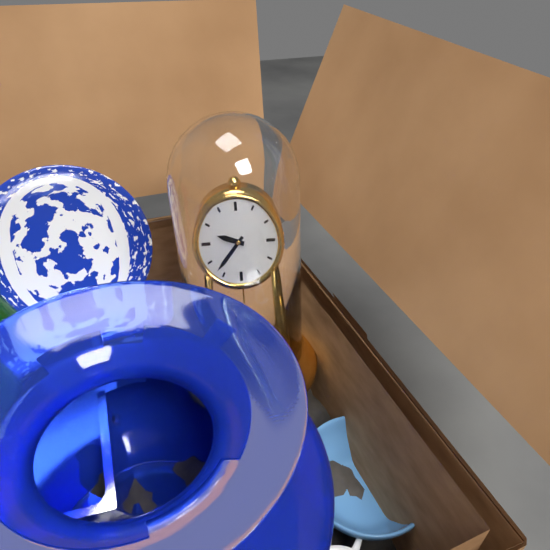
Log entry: h=9 m=37
